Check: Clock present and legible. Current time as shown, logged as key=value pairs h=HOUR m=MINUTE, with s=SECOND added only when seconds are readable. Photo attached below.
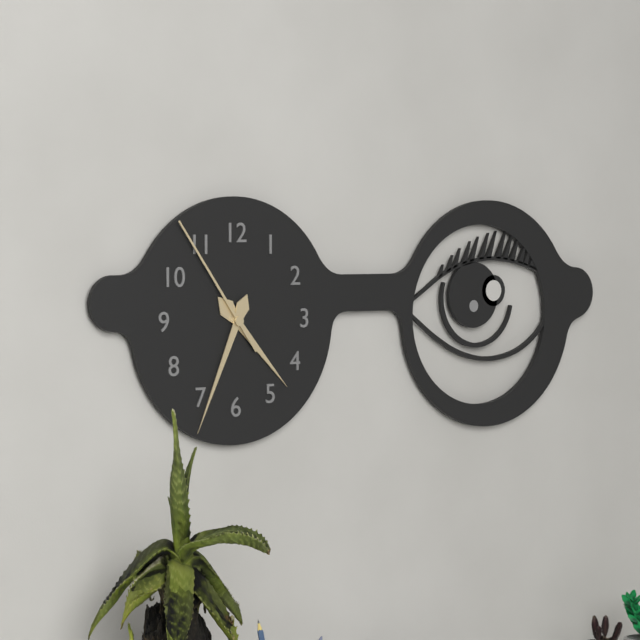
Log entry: h=4 m=34 s=54
